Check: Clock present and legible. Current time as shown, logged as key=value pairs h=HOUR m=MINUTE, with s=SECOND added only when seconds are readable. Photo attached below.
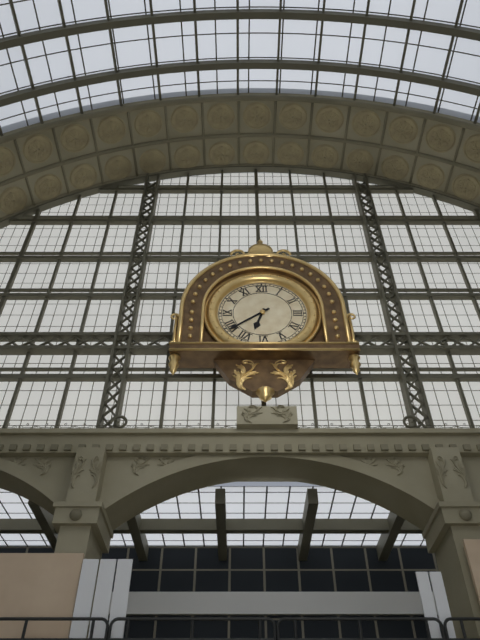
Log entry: h=6 m=39
